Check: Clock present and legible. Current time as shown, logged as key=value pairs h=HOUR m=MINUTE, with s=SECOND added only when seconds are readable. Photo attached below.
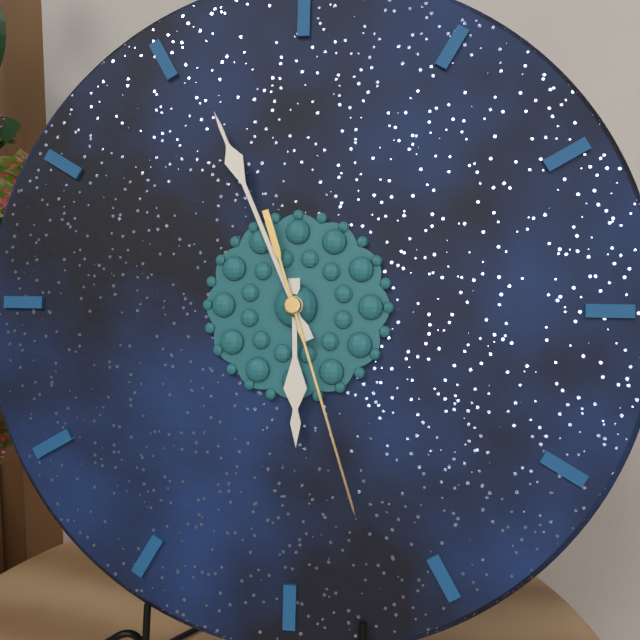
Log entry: h=5 m=56 s=27
